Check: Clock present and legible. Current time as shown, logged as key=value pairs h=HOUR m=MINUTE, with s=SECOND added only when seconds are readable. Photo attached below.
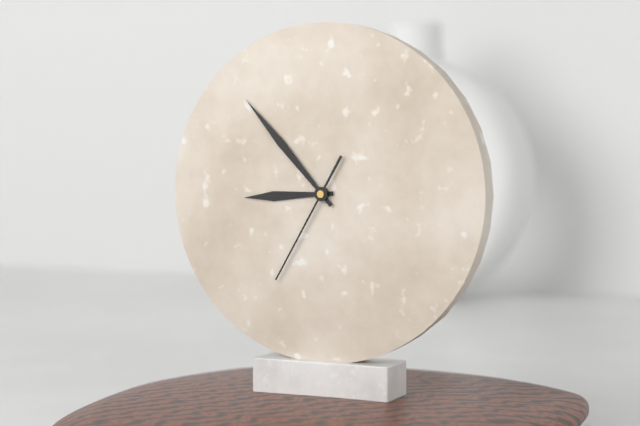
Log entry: h=8 m=53 s=35
